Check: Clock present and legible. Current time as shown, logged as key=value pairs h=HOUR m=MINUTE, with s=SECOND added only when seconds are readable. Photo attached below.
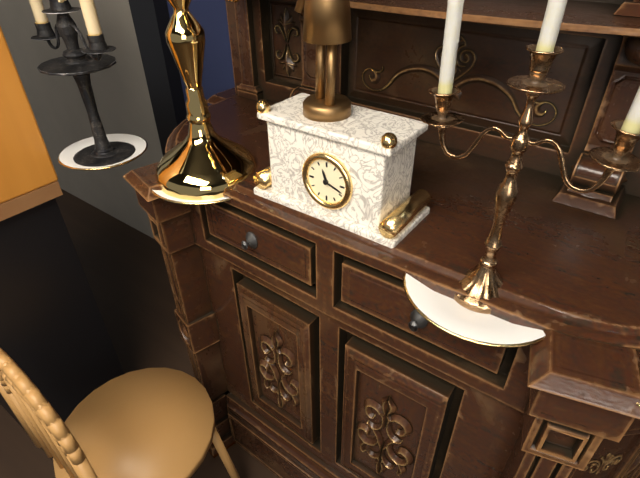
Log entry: h=11 m=18
